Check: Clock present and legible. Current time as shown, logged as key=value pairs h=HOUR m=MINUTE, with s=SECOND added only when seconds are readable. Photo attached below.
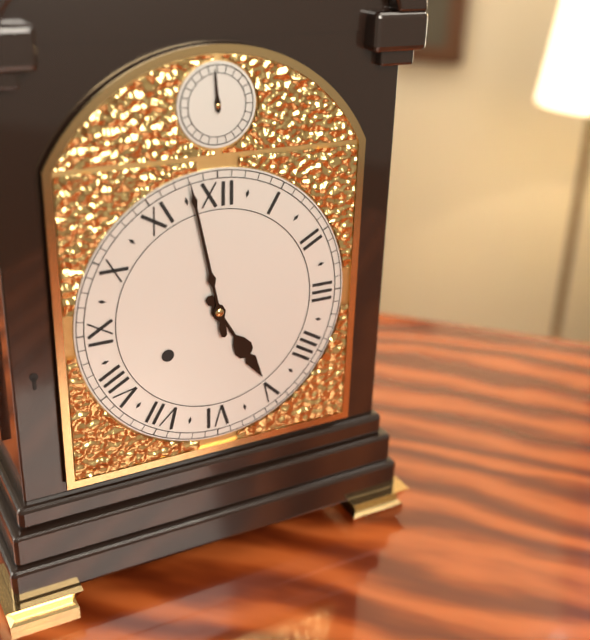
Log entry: h=4 m=58
